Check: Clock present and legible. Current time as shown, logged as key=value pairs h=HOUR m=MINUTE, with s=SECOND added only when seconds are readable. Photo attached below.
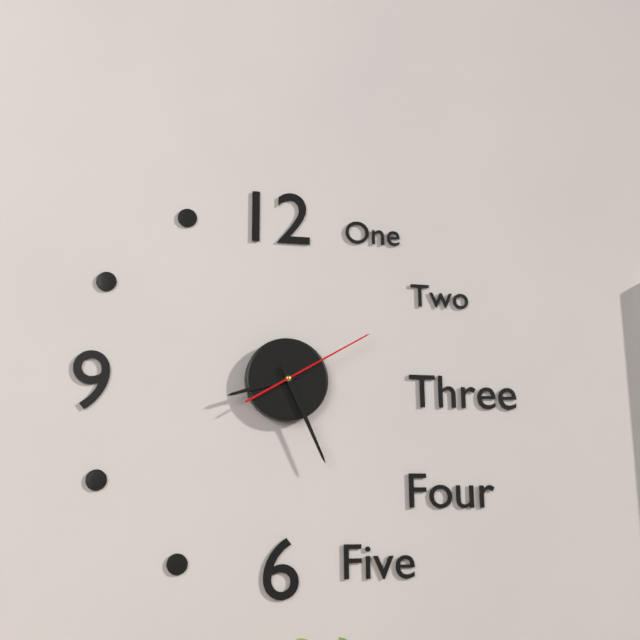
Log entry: h=8 m=26 s=10
